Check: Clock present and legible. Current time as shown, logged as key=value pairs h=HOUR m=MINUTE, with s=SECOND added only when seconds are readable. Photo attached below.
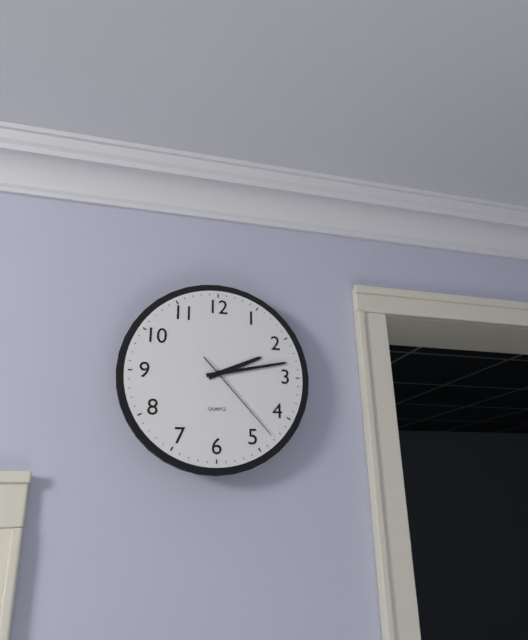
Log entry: h=2 m=13 s=23
